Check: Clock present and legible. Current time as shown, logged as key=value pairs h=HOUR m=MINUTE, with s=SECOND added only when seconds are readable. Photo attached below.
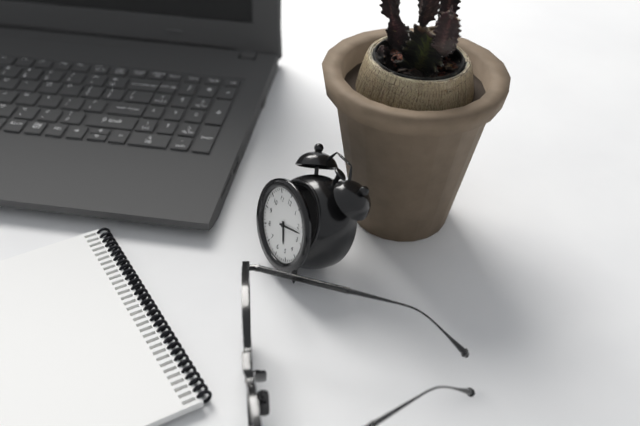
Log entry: h=5 m=12
